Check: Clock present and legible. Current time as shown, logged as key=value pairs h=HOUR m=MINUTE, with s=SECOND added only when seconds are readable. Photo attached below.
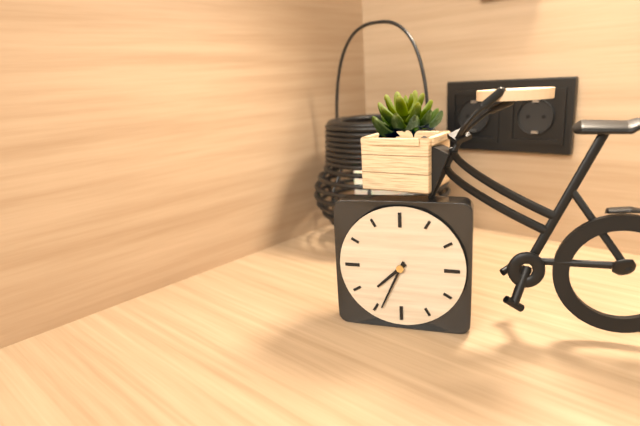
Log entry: h=7 m=34
